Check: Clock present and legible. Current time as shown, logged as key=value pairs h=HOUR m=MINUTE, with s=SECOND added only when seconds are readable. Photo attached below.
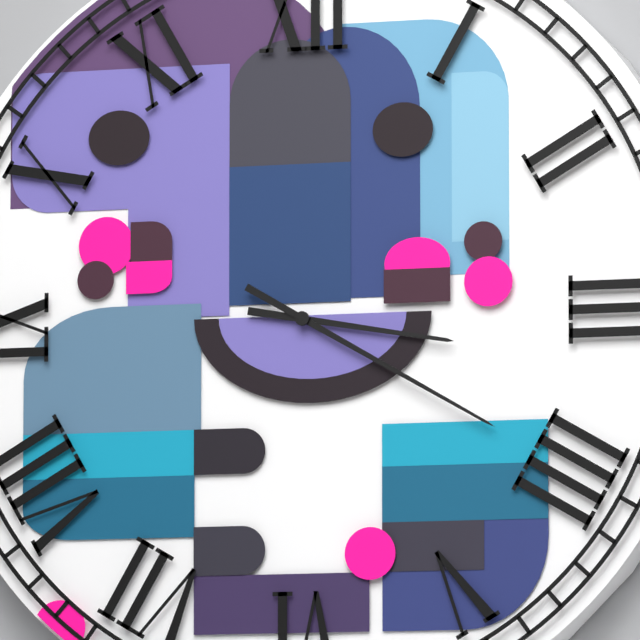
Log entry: h=3 m=20
